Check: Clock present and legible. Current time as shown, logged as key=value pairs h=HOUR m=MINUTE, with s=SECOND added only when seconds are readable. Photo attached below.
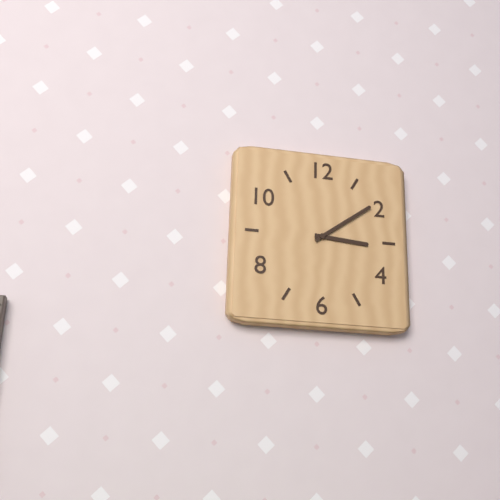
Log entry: h=3 m=9
